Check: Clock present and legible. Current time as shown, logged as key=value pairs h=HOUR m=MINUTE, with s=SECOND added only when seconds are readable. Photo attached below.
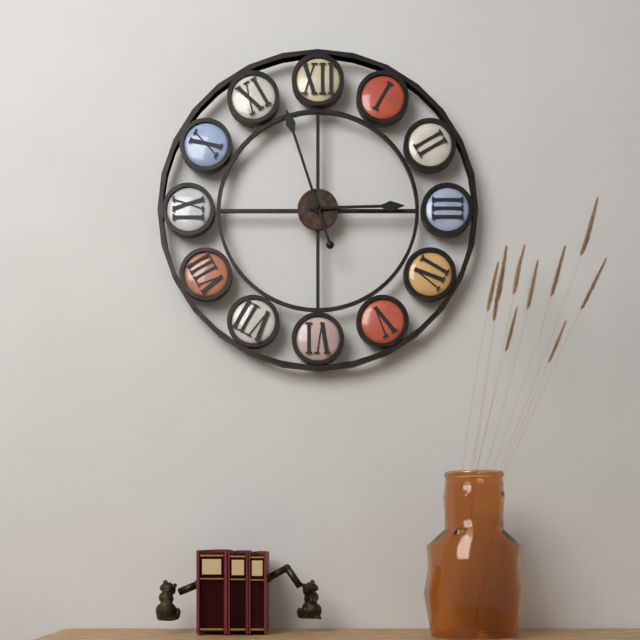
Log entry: h=2 m=57
